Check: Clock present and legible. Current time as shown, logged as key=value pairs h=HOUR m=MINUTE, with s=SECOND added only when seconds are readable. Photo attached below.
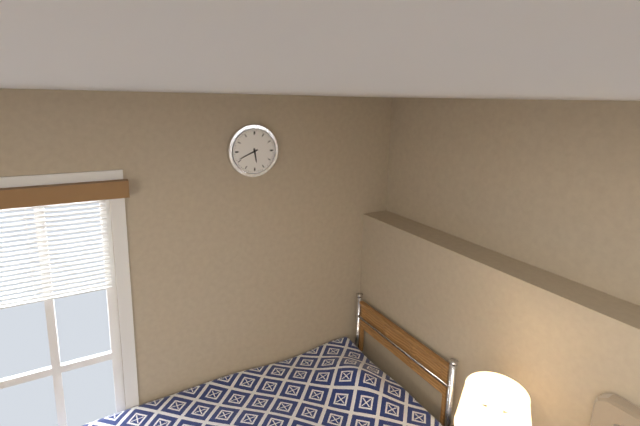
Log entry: h=5 m=41
